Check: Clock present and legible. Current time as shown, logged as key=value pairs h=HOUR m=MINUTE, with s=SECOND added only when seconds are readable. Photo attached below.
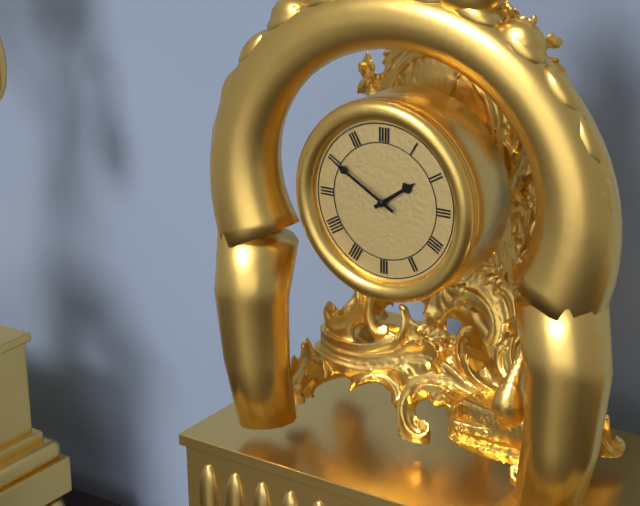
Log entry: h=1 m=50
